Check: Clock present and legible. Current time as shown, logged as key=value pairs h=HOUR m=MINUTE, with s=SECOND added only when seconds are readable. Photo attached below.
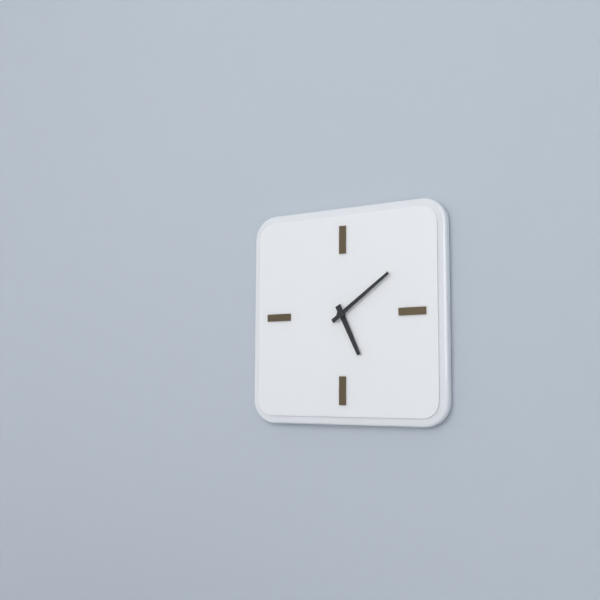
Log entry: h=5 m=9
